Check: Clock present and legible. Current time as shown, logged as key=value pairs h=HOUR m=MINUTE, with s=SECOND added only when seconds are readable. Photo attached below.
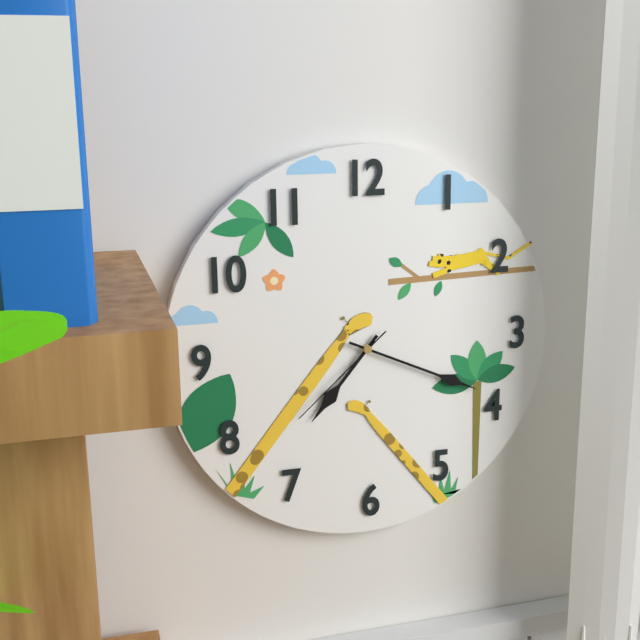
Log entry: h=7 m=19 s=38
